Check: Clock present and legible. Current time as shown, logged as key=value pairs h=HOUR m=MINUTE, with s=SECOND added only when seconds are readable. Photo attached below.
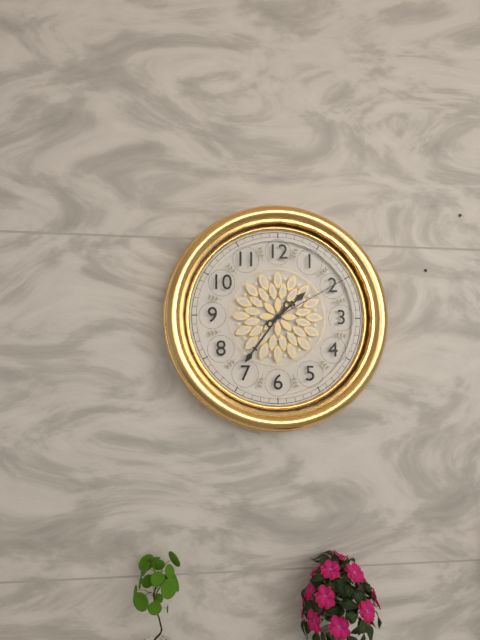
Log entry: h=1 m=36 s=10
